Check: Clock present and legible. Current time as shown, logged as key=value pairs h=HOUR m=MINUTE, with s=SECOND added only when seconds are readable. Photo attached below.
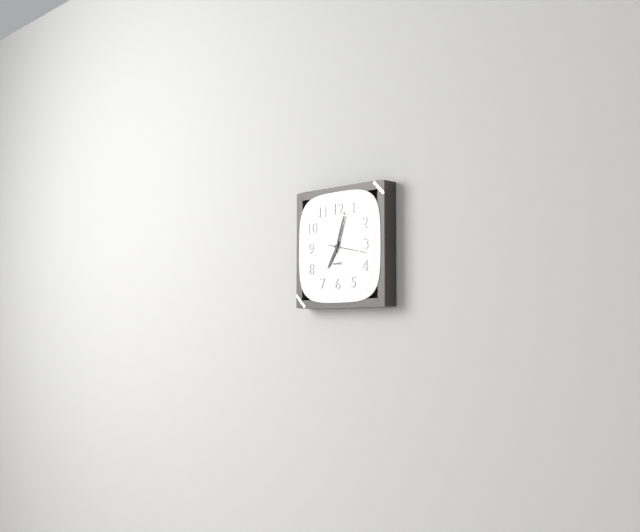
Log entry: h=7 m=3
